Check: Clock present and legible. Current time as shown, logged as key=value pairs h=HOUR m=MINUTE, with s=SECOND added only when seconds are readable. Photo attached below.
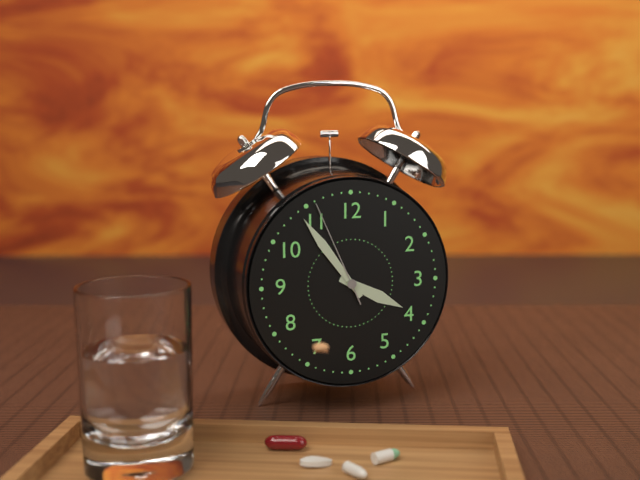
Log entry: h=3 m=54 s=56
